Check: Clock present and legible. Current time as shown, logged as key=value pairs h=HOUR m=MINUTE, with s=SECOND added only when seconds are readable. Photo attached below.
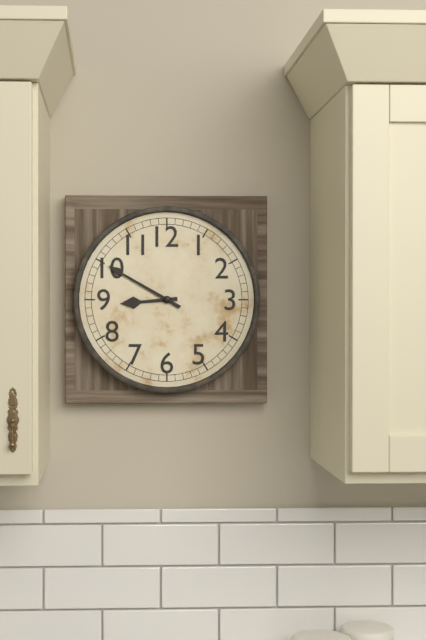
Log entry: h=8 m=50
